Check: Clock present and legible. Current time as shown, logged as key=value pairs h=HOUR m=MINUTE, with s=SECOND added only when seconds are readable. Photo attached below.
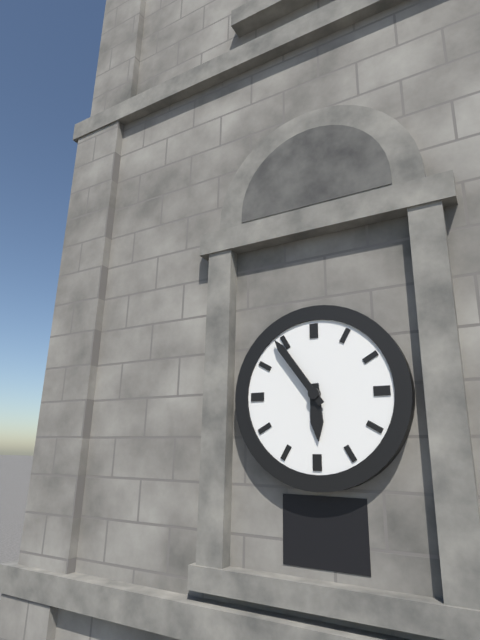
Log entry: h=5 m=54
